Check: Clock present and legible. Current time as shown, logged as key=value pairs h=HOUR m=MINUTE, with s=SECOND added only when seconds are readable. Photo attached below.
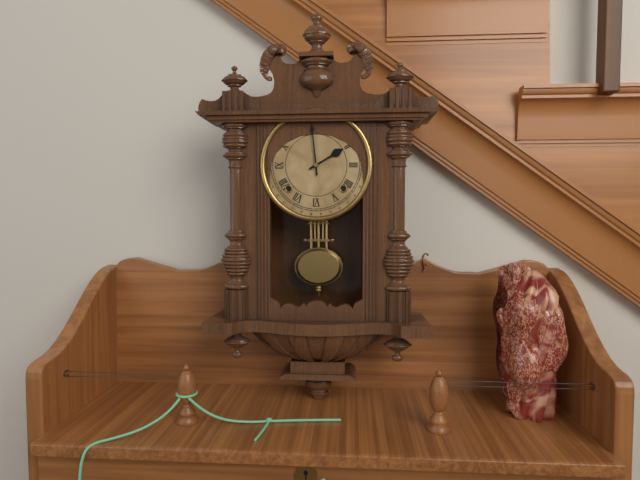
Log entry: h=1 m=59
